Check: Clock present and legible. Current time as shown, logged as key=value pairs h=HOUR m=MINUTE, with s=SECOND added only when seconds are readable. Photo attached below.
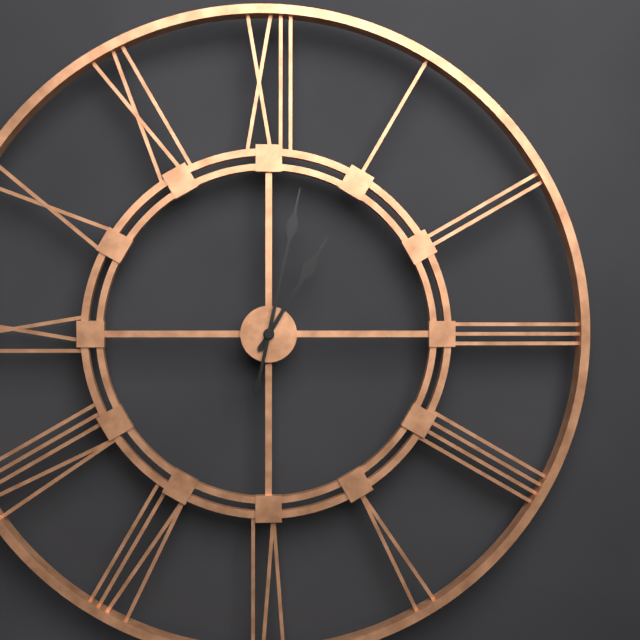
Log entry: h=1 m=2
